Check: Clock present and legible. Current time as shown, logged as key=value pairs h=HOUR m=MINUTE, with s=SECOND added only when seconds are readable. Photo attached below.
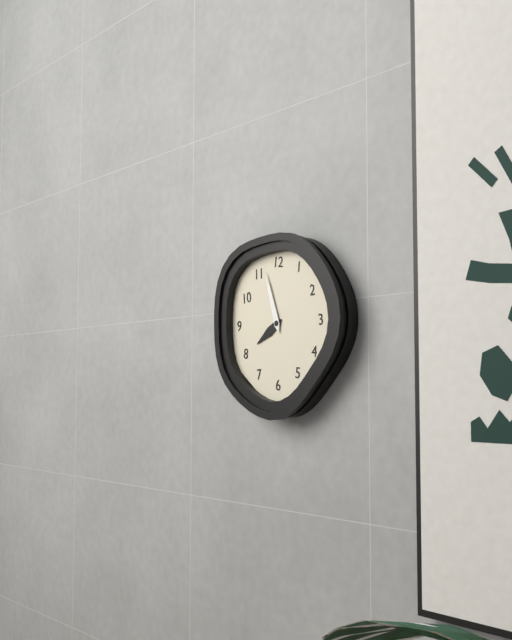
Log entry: h=7 m=57
